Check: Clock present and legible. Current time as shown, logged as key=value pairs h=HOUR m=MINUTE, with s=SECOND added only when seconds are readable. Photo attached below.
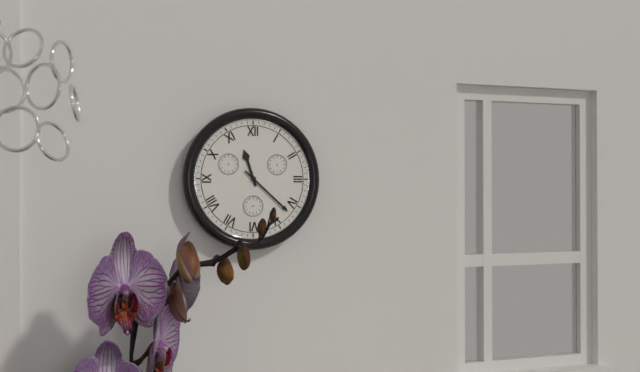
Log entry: h=11 m=22
